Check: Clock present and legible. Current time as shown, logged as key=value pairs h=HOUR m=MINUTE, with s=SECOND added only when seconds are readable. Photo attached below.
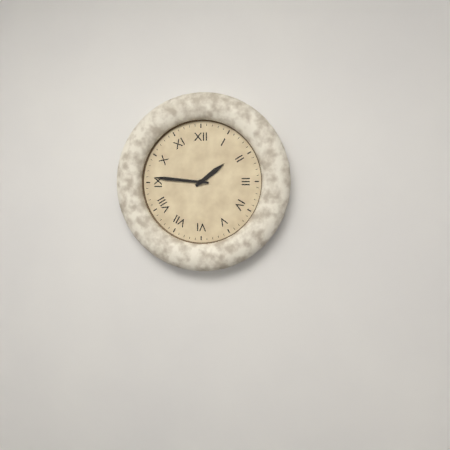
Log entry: h=1 m=46
